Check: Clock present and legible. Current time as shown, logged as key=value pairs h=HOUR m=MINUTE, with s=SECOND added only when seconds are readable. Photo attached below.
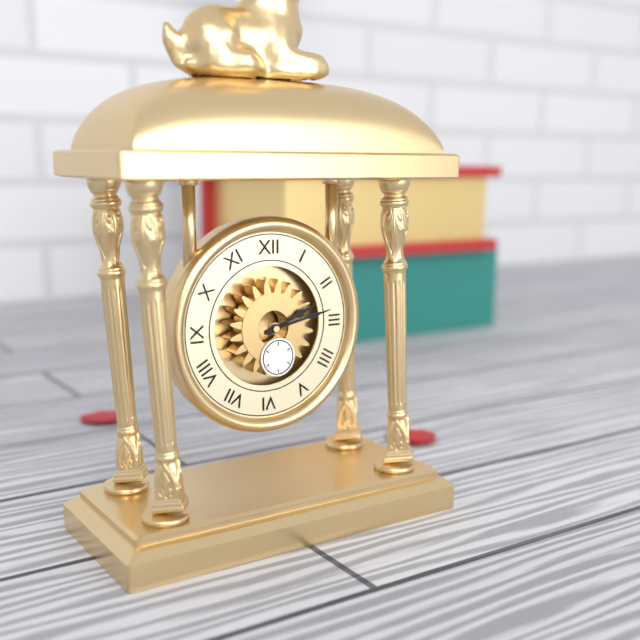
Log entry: h=2 m=13
